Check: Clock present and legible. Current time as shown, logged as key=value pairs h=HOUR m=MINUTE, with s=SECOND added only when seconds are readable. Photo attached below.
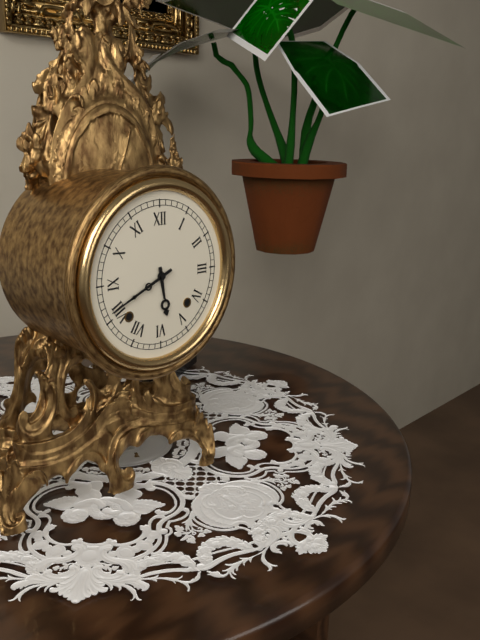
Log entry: h=5 m=41
